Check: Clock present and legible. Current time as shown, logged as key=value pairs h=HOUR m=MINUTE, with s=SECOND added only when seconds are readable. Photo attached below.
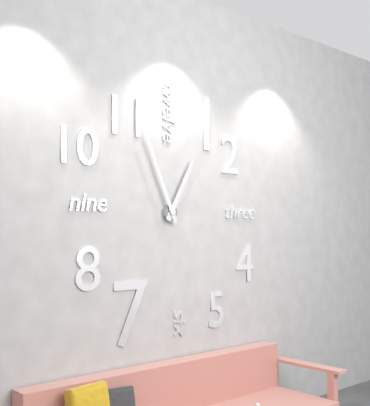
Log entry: h=12 m=56
